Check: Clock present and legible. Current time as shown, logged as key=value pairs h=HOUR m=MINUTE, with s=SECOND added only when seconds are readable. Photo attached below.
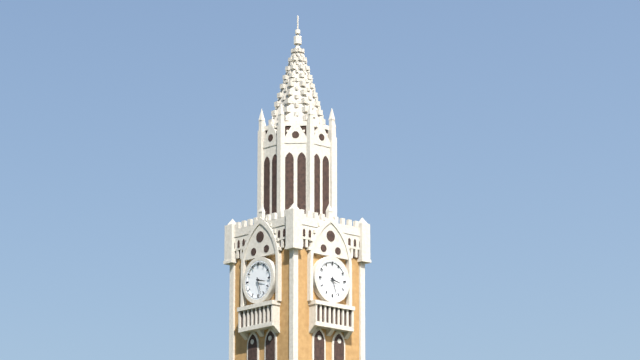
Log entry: h=3 m=27
